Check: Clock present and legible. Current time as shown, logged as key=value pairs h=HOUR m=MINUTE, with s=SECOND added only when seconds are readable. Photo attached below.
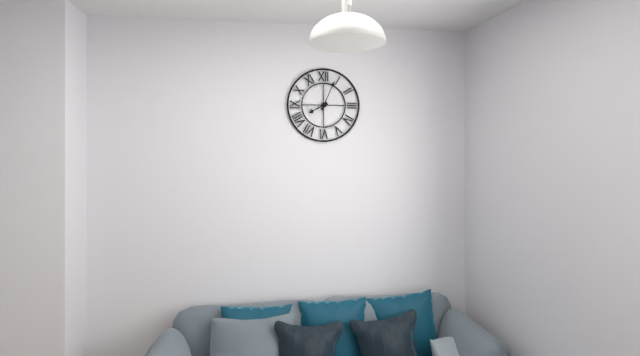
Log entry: h=8 m=4
